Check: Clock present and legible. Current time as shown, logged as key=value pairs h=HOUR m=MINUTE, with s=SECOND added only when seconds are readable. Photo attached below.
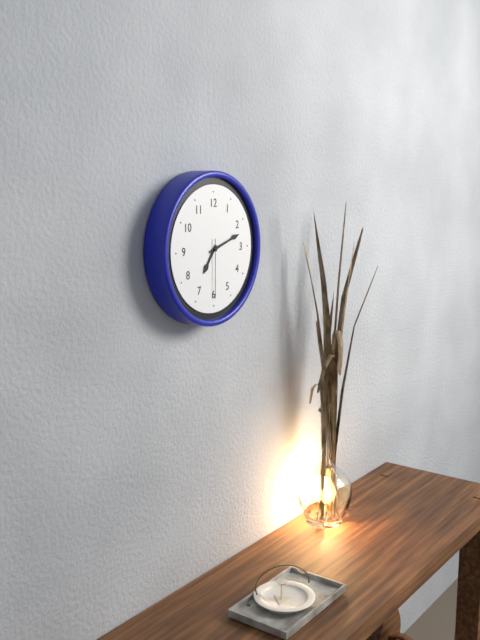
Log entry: h=7 m=12 s=30
